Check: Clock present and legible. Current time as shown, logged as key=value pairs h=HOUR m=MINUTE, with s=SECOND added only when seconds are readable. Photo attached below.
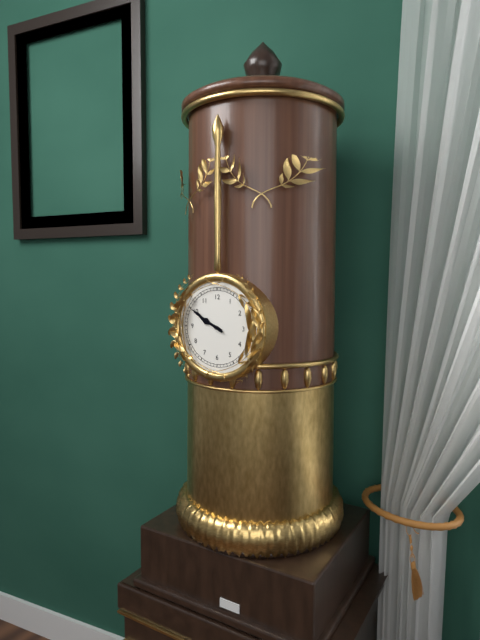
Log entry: h=9 m=50
